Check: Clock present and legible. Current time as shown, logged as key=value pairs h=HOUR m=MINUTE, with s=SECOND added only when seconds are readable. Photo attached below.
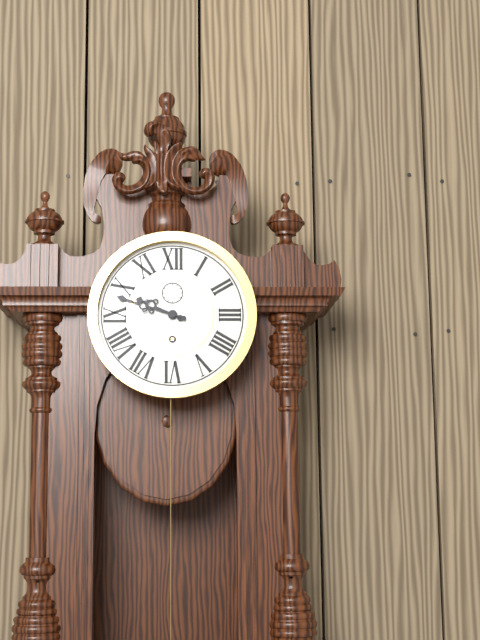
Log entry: h=9 m=48
